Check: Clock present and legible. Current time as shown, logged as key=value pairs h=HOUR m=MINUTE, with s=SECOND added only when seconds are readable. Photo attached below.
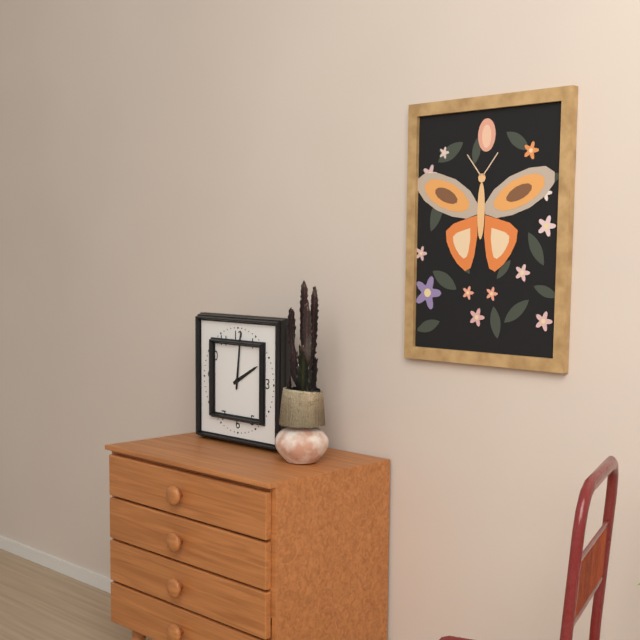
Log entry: h=2 m=1
